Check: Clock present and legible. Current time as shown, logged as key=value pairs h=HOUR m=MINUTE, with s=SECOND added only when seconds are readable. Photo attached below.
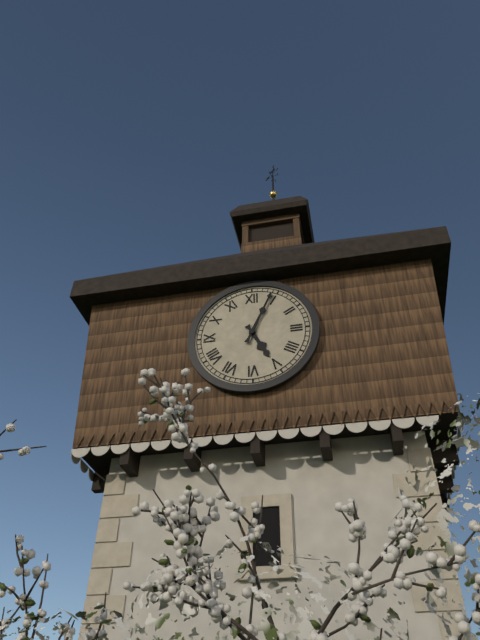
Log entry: h=5 m=4
